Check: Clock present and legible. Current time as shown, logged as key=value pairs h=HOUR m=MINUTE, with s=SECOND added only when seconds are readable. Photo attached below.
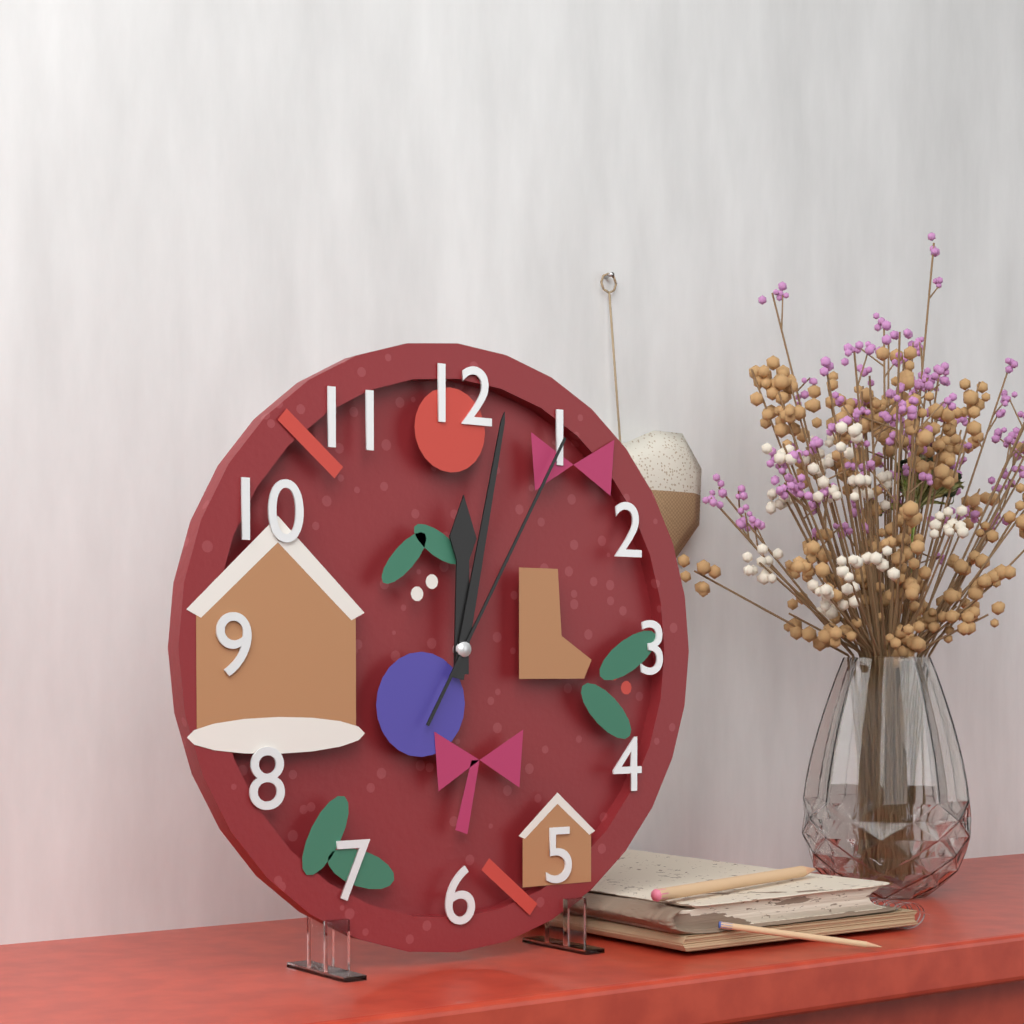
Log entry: h=12 m=2 s=5
